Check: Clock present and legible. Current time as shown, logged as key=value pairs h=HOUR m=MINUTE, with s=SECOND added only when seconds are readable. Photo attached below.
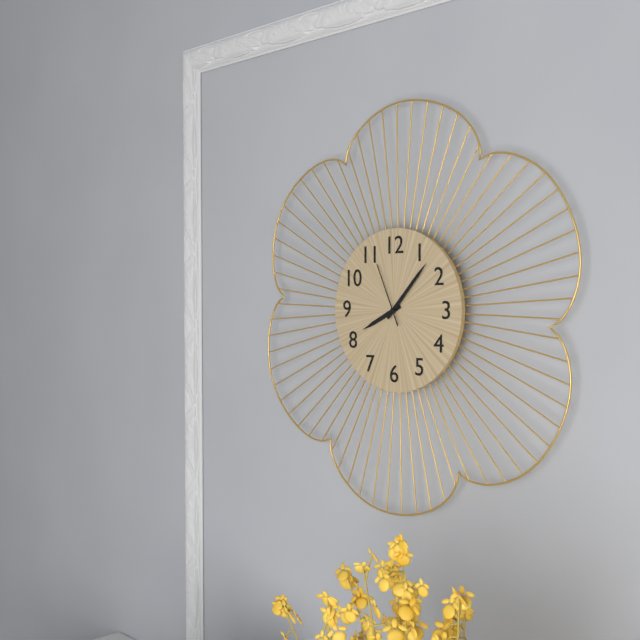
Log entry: h=8 m=7 s=56
